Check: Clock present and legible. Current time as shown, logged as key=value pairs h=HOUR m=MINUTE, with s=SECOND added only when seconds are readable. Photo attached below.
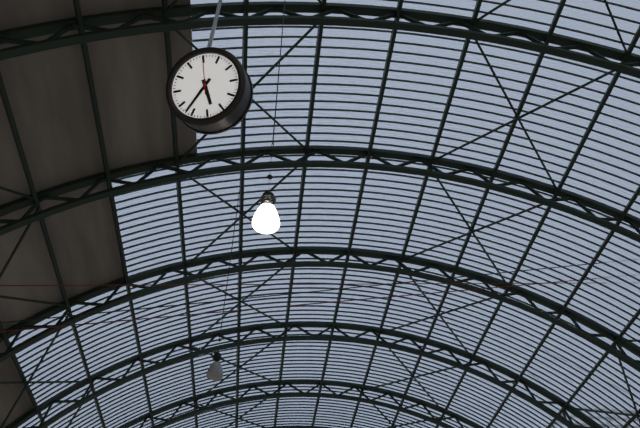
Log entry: h=5 m=37
